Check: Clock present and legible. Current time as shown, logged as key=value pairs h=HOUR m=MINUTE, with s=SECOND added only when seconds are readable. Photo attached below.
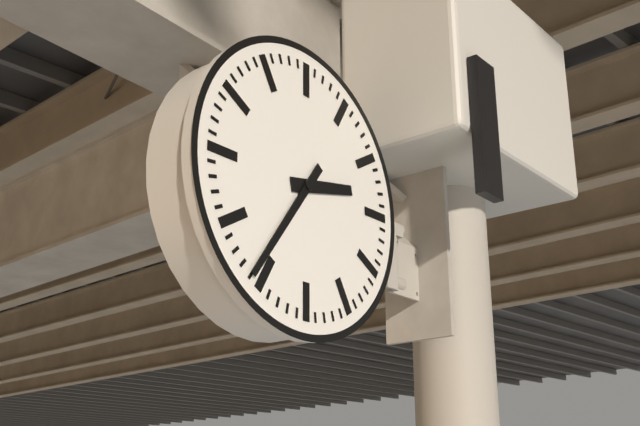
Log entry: h=2 m=36
